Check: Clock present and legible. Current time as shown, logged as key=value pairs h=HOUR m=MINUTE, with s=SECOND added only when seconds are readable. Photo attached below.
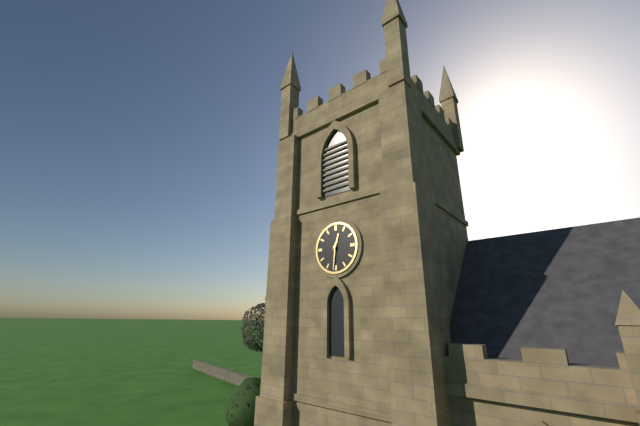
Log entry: h=12 m=31
